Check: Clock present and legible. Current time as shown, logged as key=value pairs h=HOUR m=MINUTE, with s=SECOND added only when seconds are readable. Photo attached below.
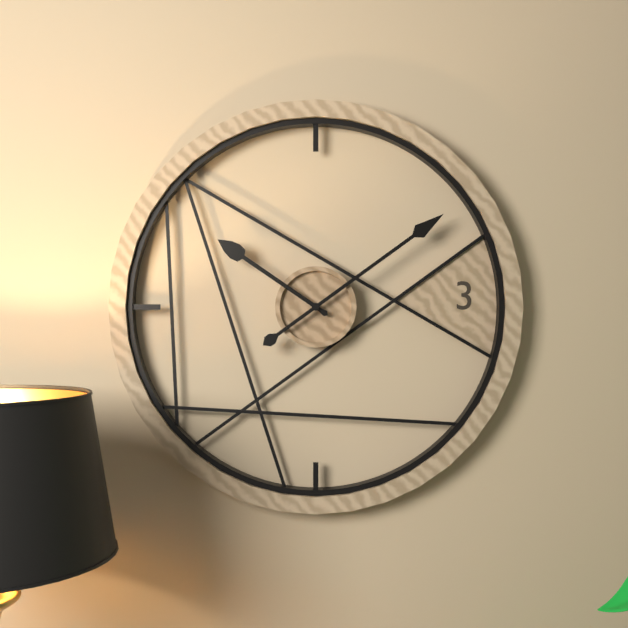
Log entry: h=10 m=9
